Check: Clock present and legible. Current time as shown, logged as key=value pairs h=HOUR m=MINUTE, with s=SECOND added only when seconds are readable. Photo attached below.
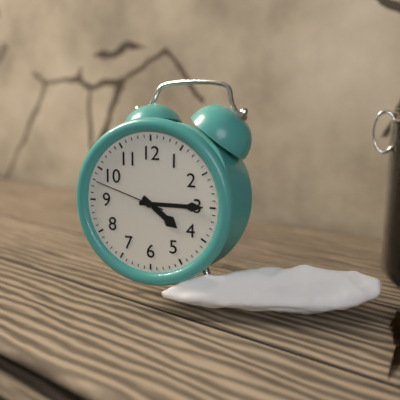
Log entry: h=4 m=15 s=48
